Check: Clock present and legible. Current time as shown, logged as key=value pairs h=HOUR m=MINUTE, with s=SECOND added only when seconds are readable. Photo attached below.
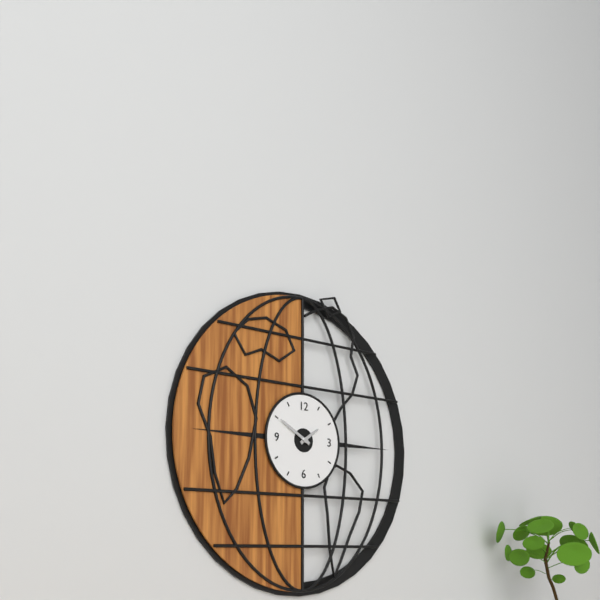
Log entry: h=1 m=50
